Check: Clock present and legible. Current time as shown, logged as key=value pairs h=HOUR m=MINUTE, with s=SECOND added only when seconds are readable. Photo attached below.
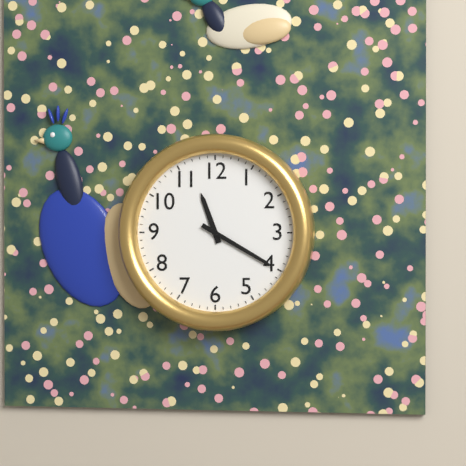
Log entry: h=11 m=20
